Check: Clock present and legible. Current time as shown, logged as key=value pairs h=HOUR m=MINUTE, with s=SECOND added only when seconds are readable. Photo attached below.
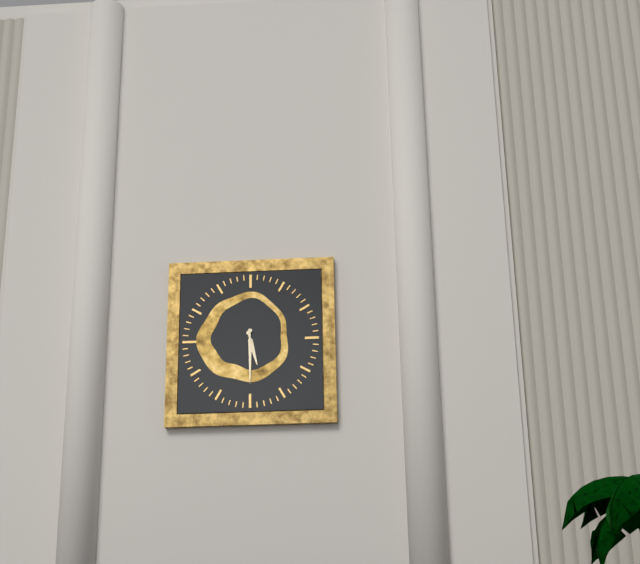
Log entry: h=5 m=30
